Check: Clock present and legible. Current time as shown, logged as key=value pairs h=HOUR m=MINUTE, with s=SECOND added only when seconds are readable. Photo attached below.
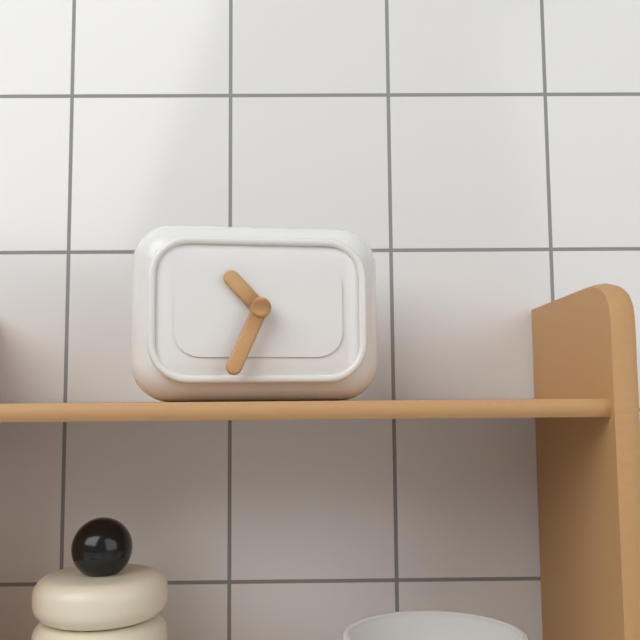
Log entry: h=10 m=34
